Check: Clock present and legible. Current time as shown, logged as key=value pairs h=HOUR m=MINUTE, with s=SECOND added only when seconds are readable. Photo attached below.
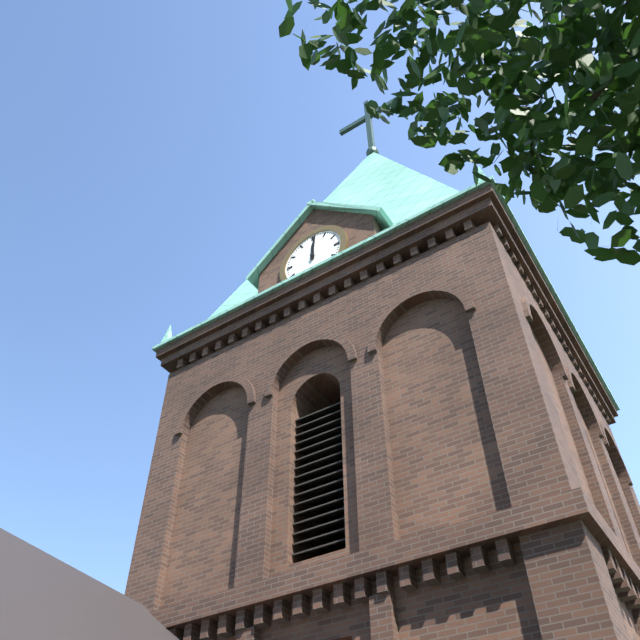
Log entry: h=12 m=1
